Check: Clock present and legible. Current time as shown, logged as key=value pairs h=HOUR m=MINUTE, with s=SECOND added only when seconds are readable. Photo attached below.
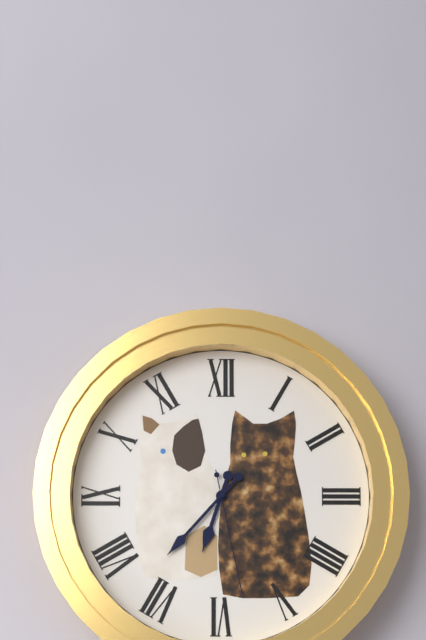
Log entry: h=6 m=37 s=28
